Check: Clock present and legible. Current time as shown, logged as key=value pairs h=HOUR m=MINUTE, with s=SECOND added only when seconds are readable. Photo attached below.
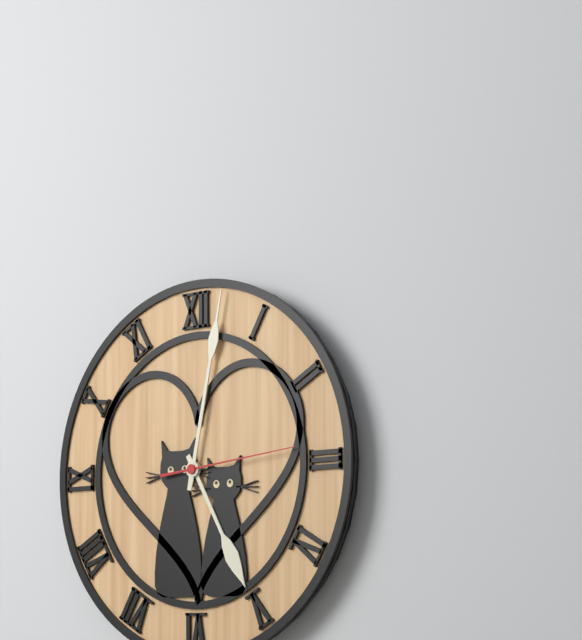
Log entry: h=5 m=2 s=14
